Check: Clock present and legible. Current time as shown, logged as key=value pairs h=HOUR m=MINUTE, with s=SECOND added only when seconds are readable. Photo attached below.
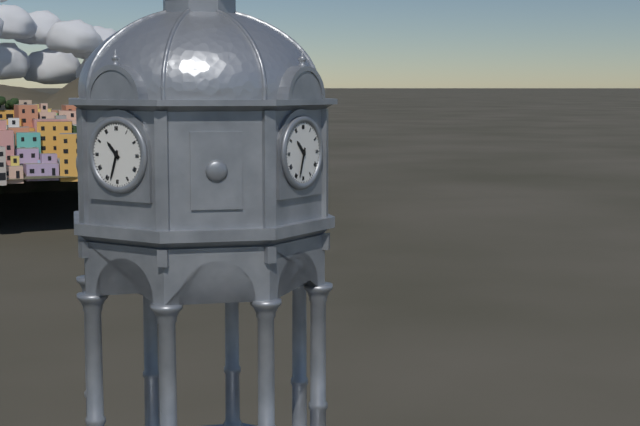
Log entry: h=10 m=33
